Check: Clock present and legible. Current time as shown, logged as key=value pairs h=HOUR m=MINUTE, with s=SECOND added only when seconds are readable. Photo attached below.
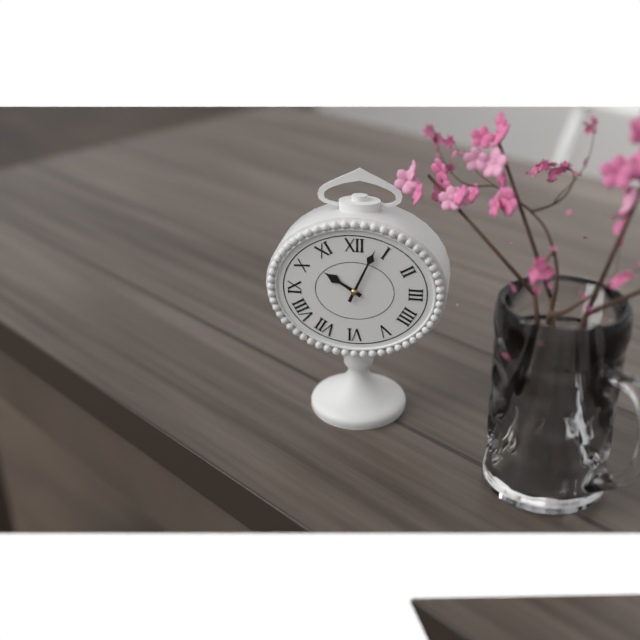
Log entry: h=10 m=4
